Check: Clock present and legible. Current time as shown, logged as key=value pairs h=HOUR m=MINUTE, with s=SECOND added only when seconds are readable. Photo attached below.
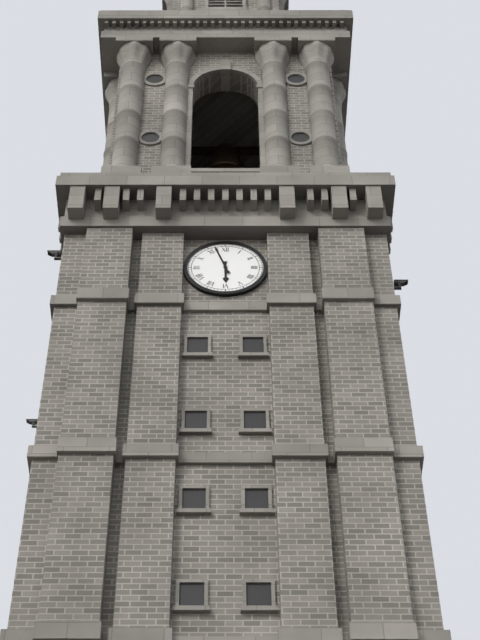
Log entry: h=5 m=57
